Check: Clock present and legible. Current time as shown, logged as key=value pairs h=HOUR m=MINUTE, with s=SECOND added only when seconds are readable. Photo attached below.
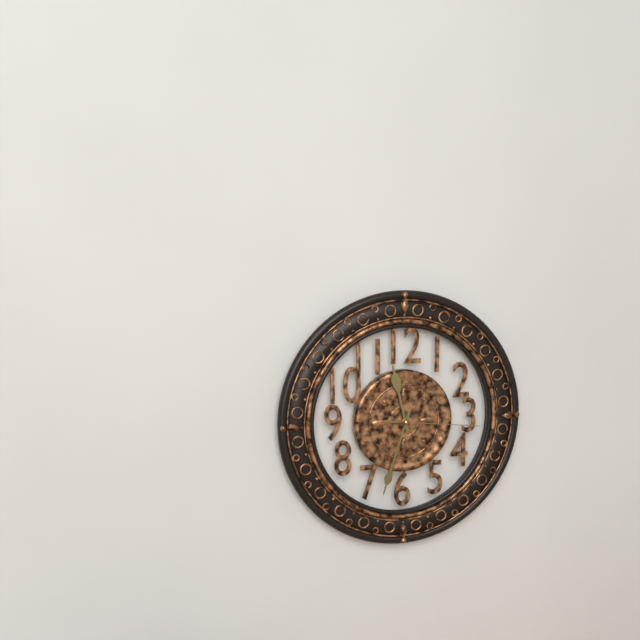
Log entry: h=11 m=33 s=16
